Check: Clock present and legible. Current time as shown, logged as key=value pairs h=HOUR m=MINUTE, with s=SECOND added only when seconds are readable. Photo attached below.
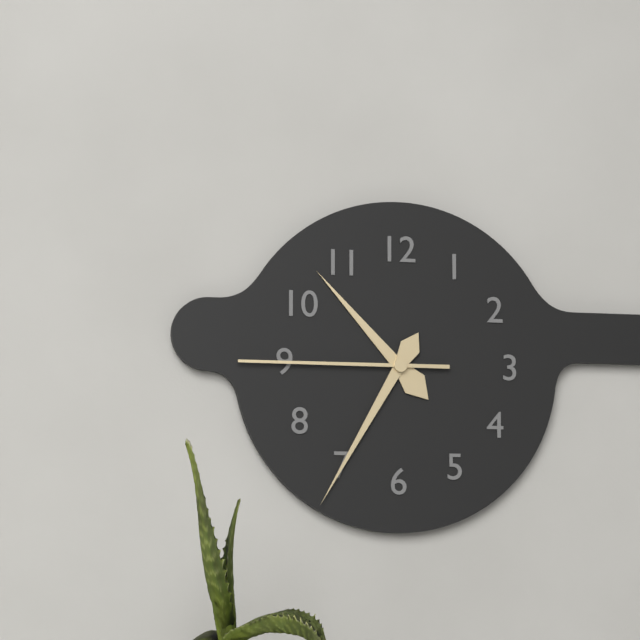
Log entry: h=10 m=35 s=45
